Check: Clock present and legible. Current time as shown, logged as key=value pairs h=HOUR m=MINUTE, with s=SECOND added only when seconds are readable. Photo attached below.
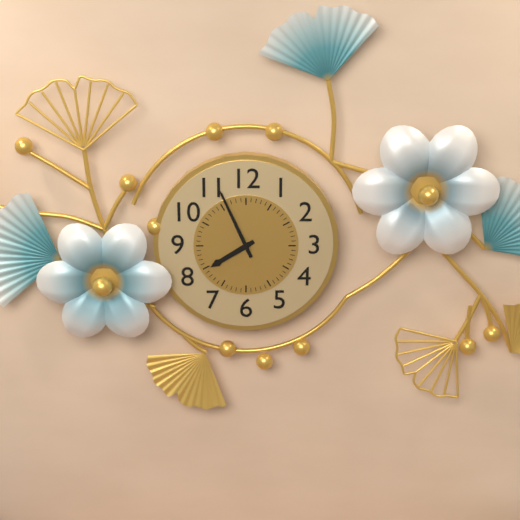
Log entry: h=7 m=56
